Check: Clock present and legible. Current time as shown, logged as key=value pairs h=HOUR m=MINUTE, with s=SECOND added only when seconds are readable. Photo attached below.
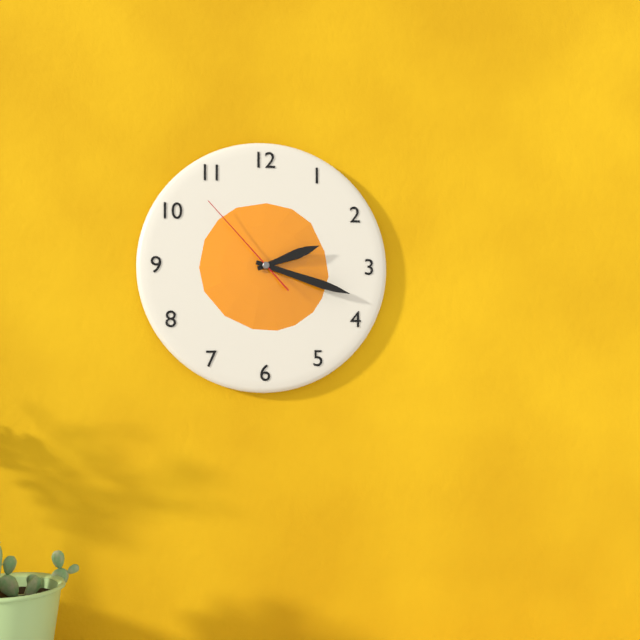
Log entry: h=2 m=18 s=53
